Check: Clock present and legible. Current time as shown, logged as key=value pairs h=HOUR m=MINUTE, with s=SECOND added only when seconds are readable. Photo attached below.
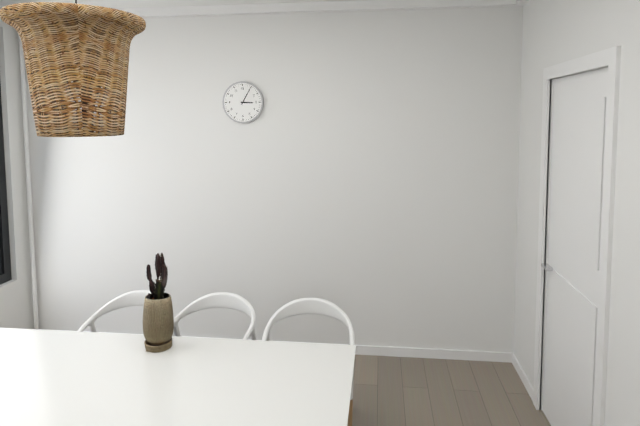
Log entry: h=3 m=5
